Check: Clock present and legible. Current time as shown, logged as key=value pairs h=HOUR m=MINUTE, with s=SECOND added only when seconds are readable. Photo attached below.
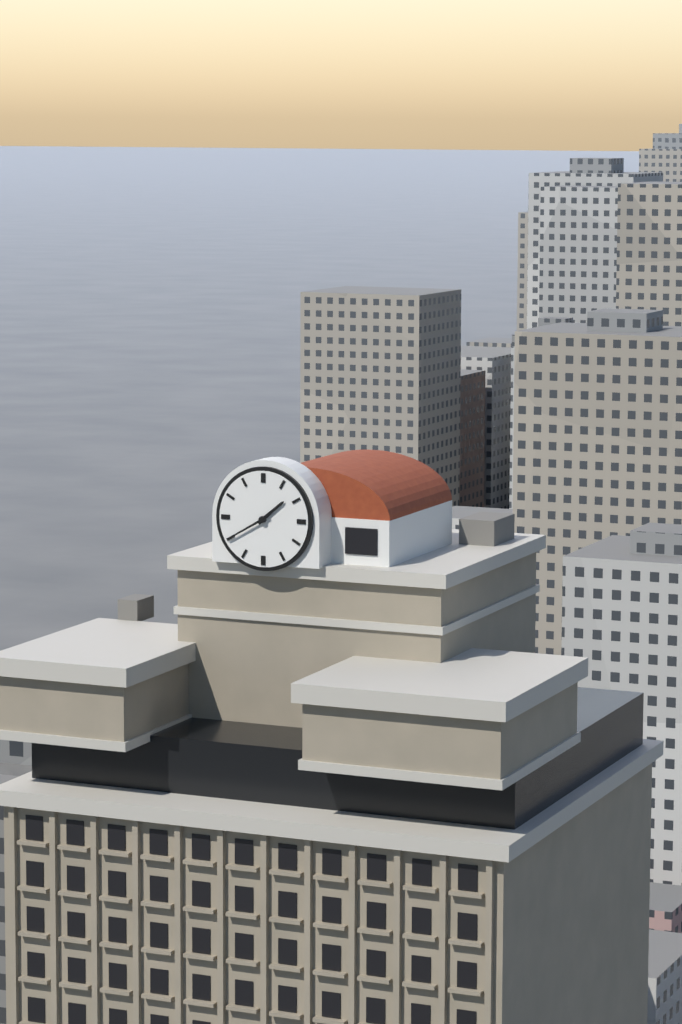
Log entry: h=1 m=40
